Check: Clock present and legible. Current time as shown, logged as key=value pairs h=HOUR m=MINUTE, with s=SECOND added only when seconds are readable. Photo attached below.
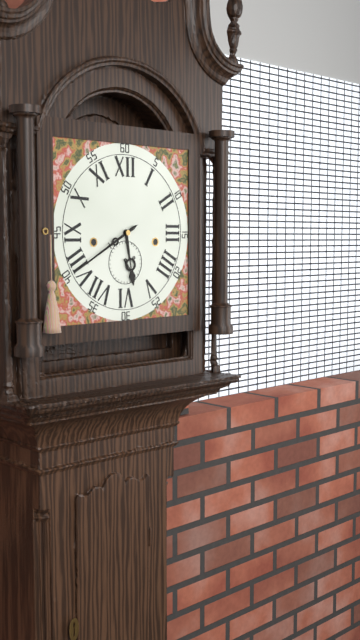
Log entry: h=5 m=40
